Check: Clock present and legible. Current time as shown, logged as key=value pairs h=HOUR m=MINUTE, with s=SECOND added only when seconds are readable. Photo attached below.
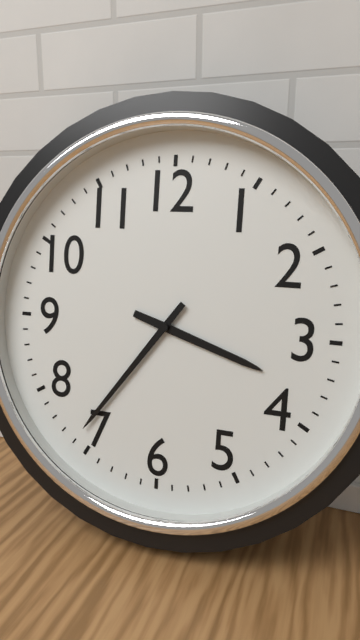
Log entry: h=3 m=36
